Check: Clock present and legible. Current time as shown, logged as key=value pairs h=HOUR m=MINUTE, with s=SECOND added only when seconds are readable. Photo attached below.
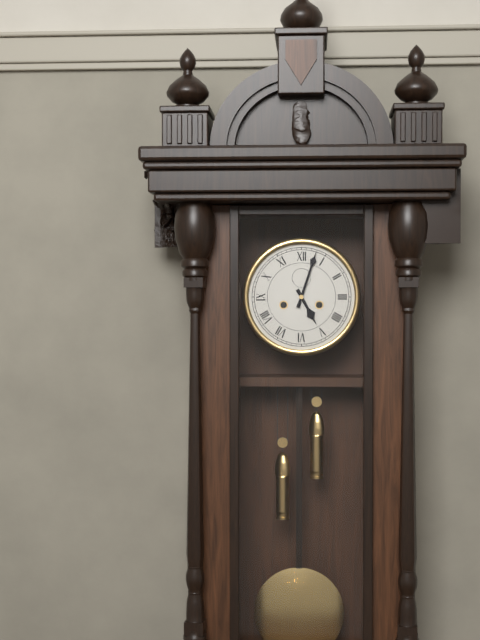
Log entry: h=5 m=3
